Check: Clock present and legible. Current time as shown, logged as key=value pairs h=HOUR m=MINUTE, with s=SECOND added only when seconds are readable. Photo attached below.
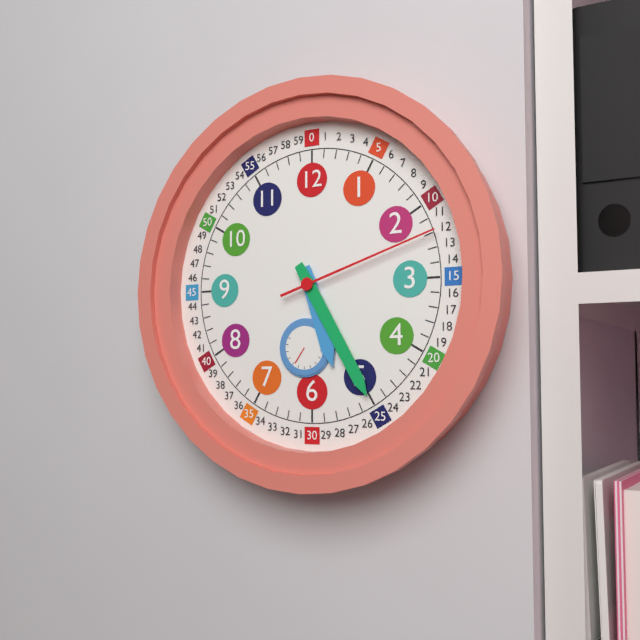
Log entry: h=5 m=25 s=12
